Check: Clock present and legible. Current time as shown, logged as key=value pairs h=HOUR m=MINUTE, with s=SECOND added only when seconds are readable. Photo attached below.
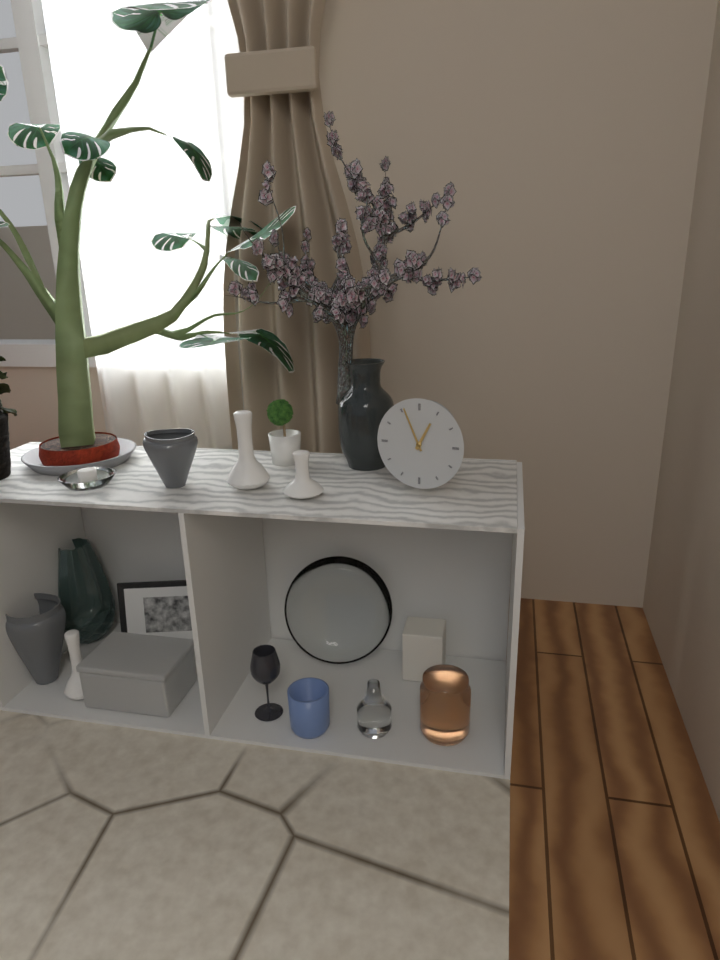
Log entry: h=12 m=56
